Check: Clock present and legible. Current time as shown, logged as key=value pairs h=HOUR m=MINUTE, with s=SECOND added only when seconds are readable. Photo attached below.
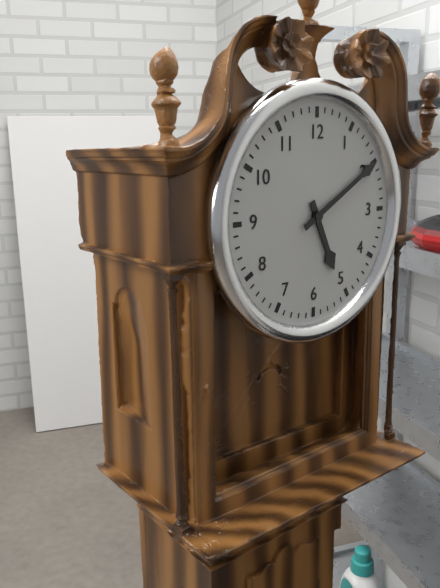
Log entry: h=5 m=10
